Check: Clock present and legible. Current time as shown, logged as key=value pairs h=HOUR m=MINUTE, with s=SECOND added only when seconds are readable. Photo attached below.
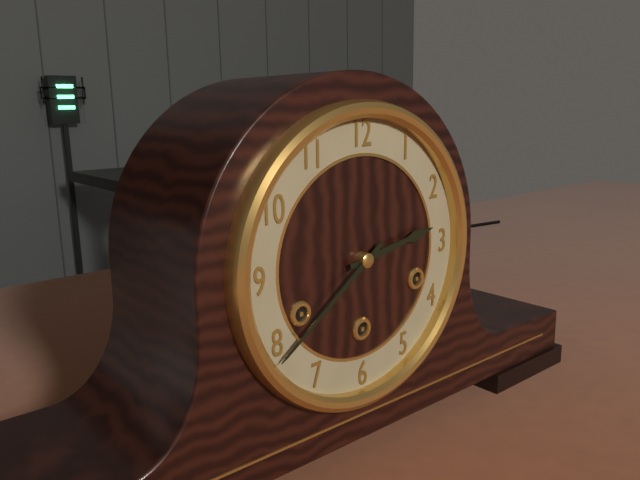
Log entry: h=2 m=39
